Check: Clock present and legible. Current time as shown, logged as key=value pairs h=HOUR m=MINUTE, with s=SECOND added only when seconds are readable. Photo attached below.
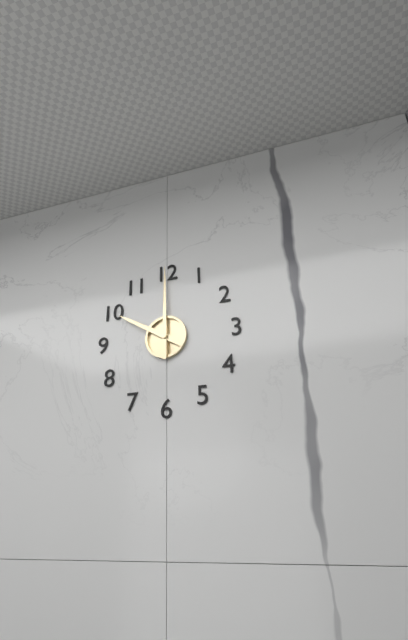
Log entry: h=10 m=0
